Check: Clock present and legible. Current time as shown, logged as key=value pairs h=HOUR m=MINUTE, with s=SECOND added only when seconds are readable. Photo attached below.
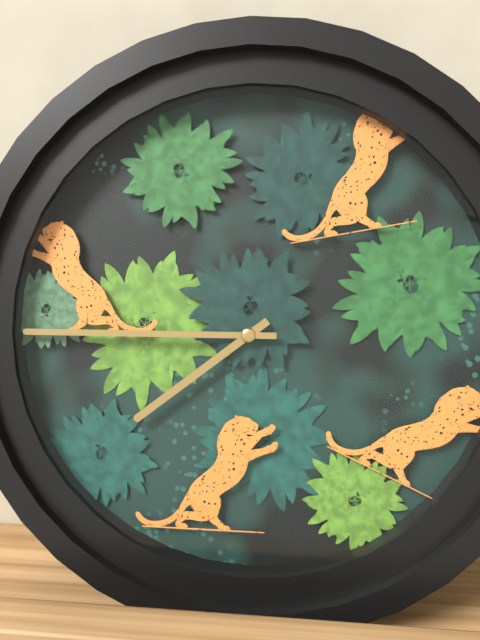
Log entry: h=7 m=45
